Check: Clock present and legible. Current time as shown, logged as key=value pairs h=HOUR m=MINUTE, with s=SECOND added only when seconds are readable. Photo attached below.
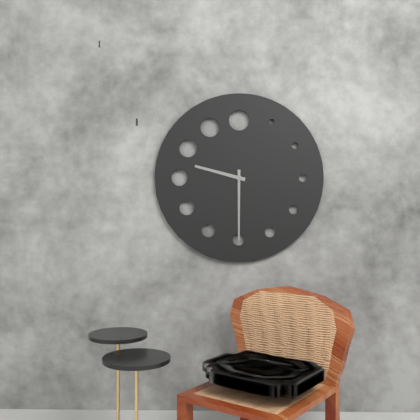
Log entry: h=9 m=30
